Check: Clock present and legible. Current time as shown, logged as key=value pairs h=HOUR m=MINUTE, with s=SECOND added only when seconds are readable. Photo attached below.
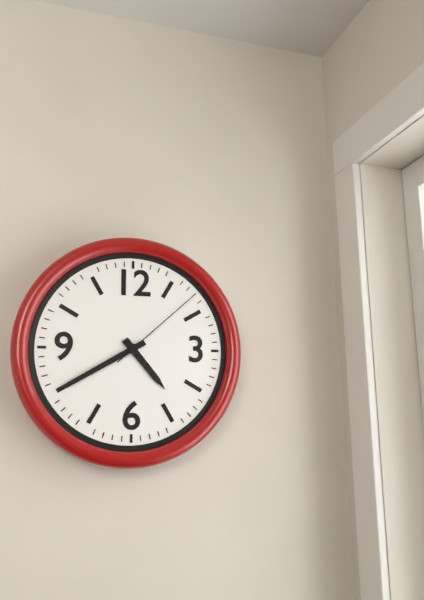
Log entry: h=4 m=40 s=8
